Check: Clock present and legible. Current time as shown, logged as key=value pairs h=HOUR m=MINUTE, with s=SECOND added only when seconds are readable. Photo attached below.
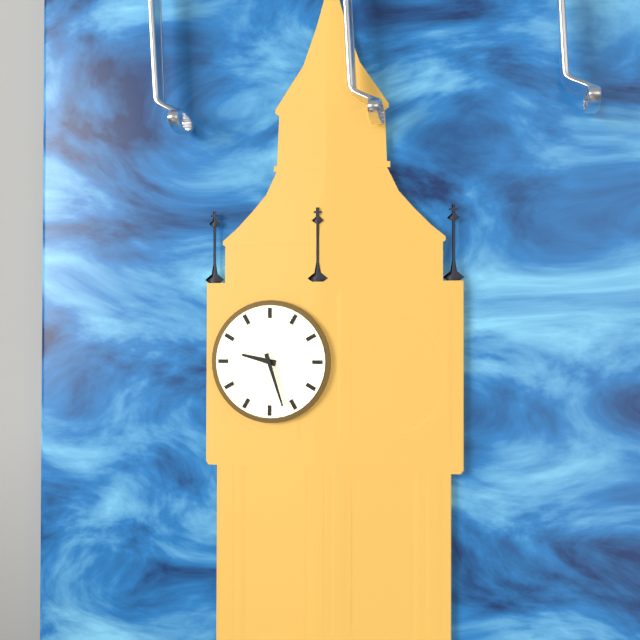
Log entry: h=9 m=27
